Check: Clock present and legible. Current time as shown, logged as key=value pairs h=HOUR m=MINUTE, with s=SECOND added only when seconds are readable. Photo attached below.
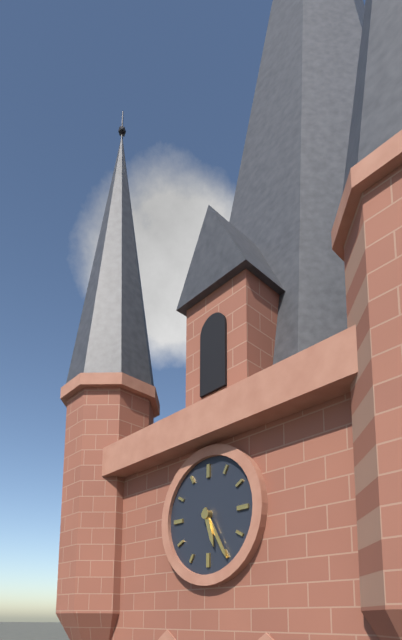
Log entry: h=5 m=25
